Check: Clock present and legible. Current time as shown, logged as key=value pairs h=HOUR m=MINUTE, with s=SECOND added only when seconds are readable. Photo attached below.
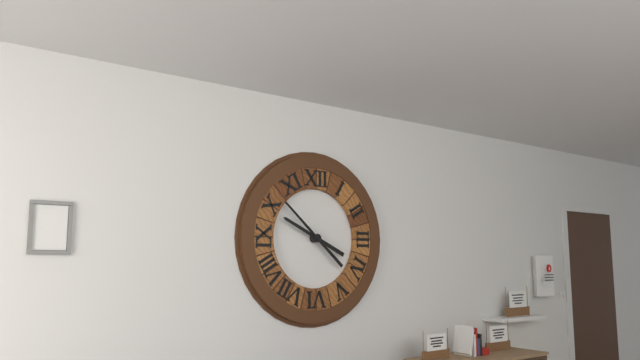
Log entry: h=9 m=52
